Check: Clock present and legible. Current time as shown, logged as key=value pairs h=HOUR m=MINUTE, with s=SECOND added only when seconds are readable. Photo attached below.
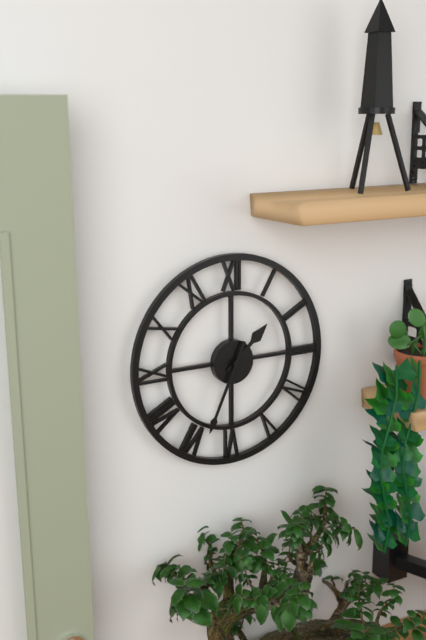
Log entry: h=1 m=34
